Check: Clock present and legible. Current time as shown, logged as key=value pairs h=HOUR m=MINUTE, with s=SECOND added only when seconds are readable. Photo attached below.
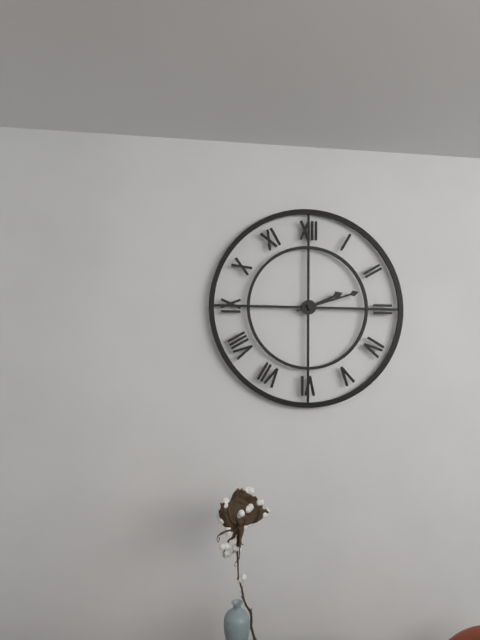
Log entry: h=2 m=12
